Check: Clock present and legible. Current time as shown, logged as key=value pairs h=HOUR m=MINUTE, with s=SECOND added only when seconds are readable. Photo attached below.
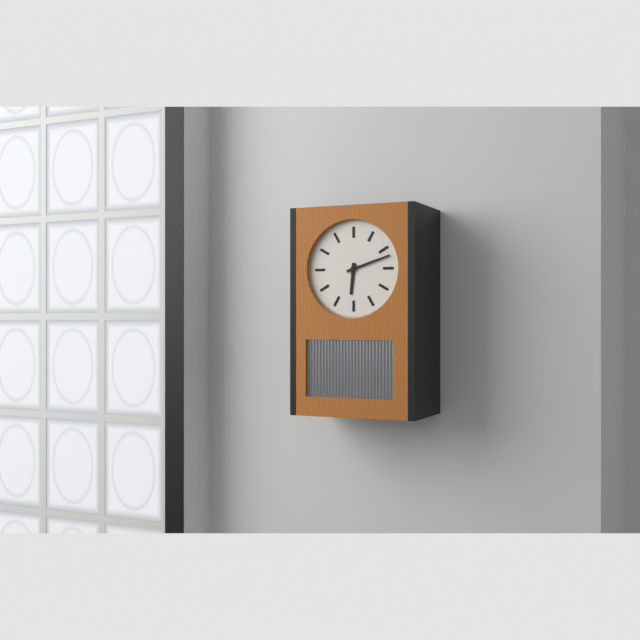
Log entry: h=6 m=12
